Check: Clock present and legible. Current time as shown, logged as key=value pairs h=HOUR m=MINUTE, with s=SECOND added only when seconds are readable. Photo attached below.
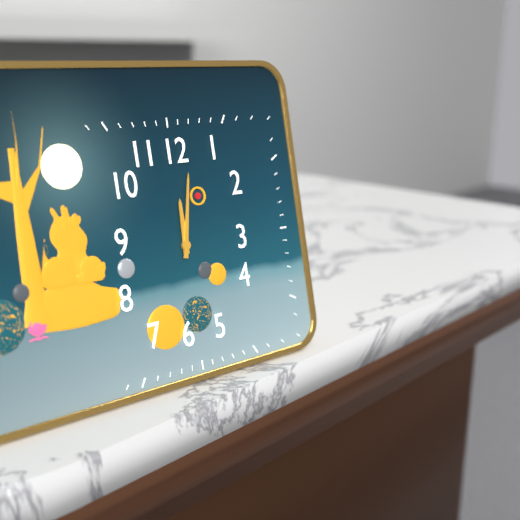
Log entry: h=12 m=2
